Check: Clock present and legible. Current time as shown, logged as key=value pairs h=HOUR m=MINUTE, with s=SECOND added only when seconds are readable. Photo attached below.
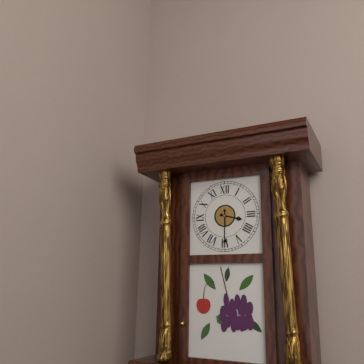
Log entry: h=3 m=30
